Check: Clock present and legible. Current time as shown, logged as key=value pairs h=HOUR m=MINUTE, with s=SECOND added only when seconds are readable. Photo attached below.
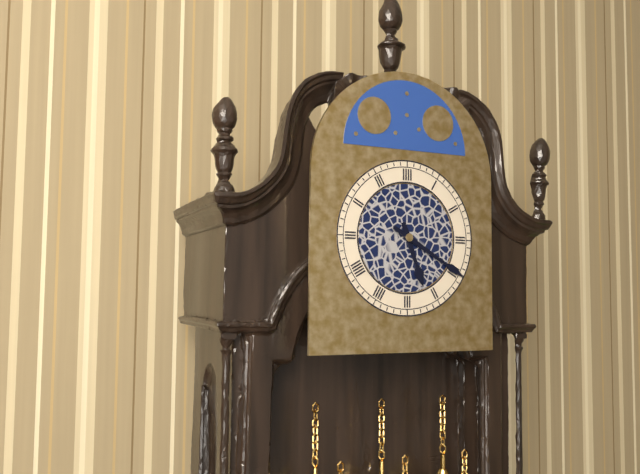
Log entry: h=5 m=20
